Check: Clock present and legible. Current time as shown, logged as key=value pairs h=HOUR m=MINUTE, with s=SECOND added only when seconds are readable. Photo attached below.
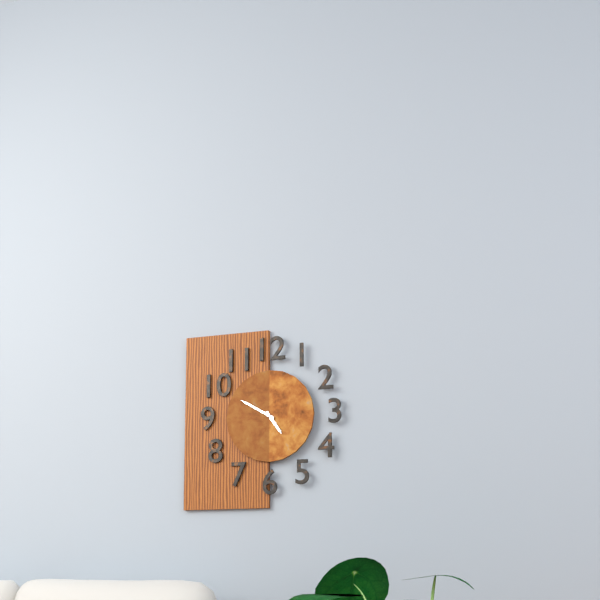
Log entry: h=4 m=50
